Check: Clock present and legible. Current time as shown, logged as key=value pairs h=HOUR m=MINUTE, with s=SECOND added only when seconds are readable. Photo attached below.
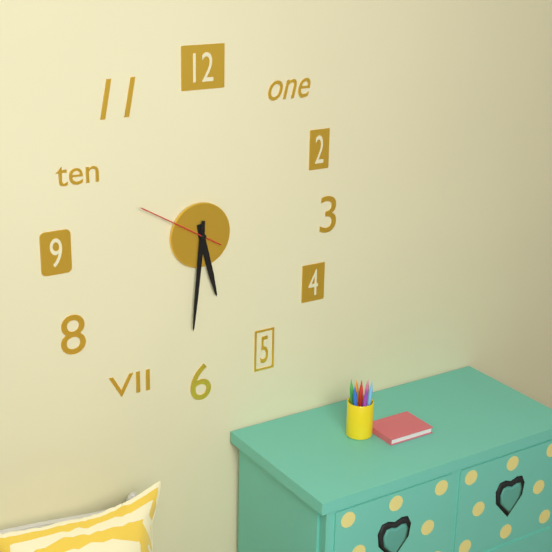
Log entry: h=5 m=31 s=50
